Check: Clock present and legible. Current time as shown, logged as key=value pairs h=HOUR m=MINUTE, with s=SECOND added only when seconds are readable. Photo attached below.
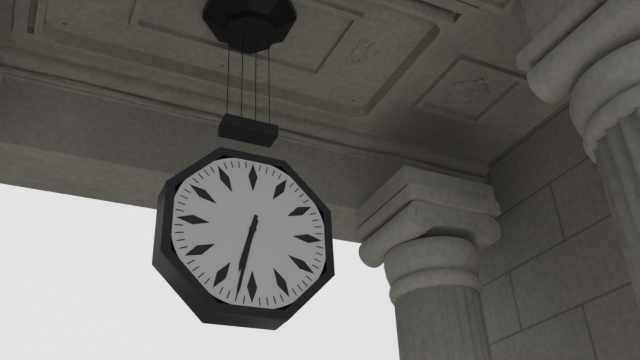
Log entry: h=6 m=32
